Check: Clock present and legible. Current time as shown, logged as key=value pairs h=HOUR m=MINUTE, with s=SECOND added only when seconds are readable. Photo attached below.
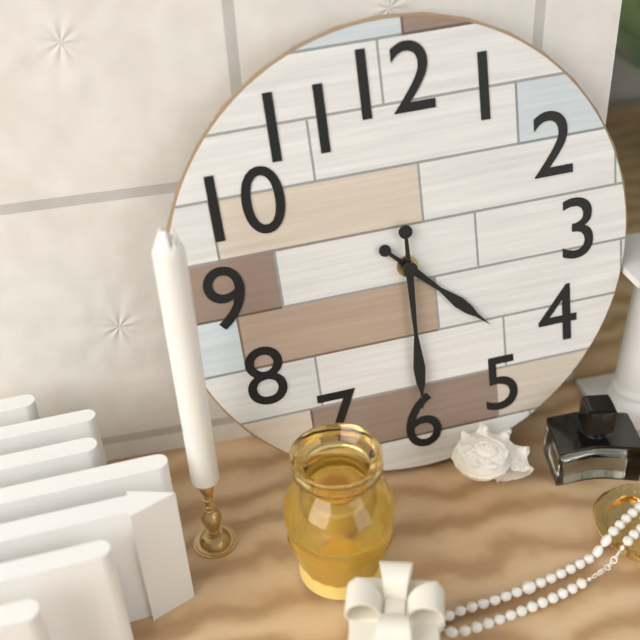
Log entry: h=4 m=30
